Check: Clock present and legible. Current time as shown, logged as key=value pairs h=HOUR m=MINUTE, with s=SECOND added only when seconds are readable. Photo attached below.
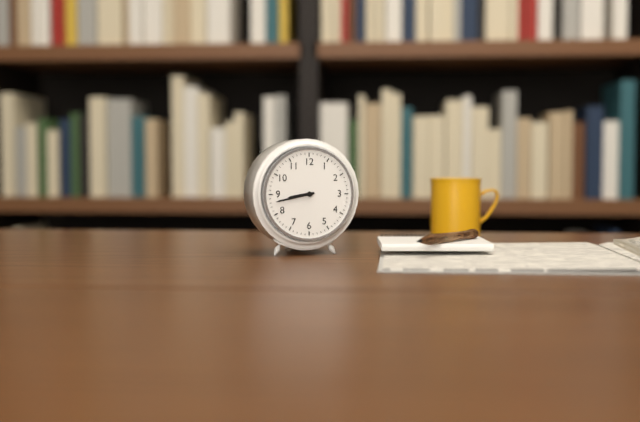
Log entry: h=8 m=43
